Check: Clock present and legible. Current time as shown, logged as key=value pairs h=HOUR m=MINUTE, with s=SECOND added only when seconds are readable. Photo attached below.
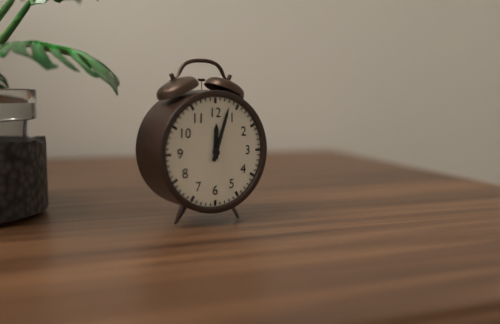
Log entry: h=12 m=3
